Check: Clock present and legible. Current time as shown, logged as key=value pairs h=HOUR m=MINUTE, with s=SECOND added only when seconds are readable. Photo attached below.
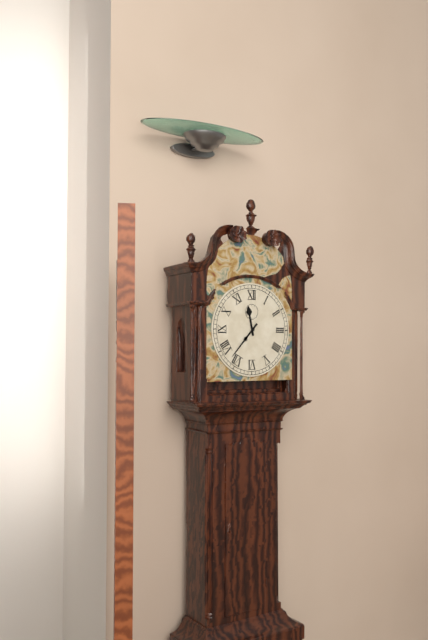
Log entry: h=11 m=37
